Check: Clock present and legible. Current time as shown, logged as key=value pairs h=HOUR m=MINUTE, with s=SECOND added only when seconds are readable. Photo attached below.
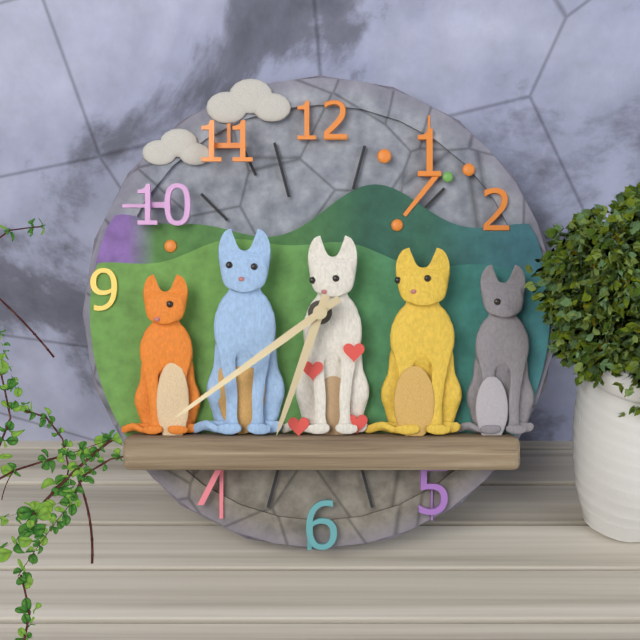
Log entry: h=6 m=39
